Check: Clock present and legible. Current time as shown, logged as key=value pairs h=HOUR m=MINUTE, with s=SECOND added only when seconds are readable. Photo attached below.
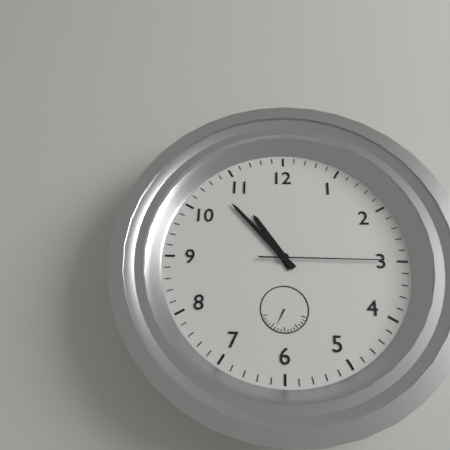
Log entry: h=10 m=53 s=15
